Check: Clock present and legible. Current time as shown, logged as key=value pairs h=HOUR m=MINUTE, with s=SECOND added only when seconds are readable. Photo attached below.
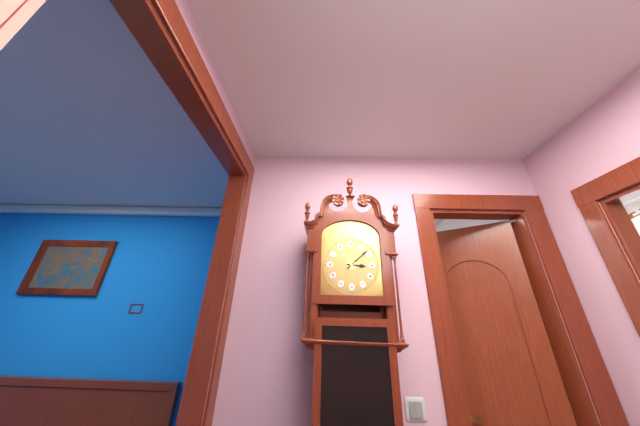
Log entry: h=3 m=8
